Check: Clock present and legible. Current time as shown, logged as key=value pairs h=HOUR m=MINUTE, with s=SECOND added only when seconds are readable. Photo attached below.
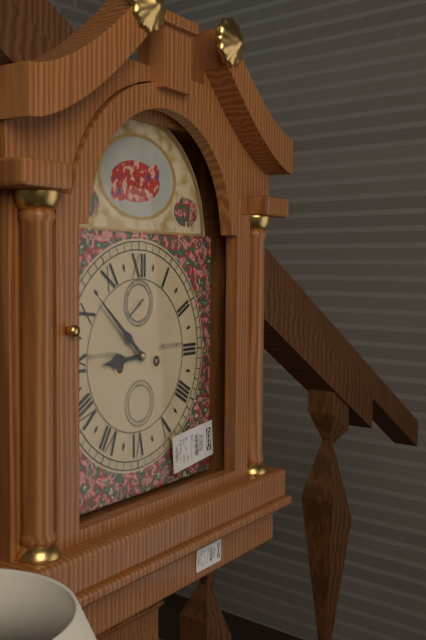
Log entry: h=8 m=52
